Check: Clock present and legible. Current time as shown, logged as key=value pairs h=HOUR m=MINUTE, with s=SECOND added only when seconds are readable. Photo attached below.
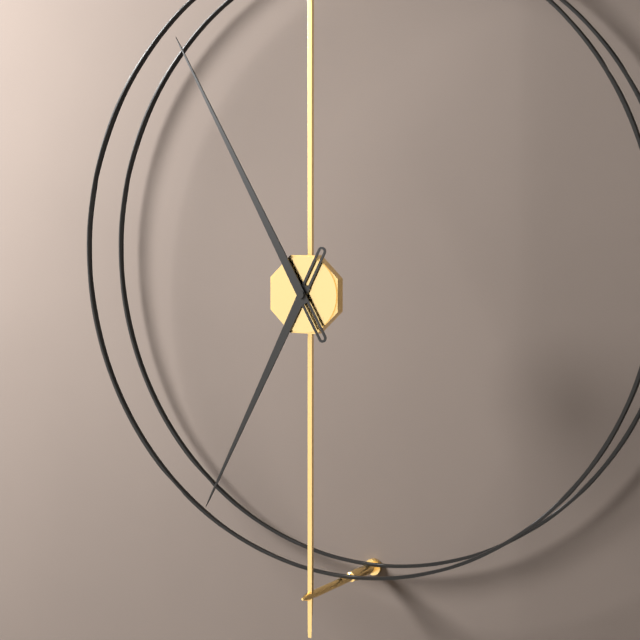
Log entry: h=6 m=55
